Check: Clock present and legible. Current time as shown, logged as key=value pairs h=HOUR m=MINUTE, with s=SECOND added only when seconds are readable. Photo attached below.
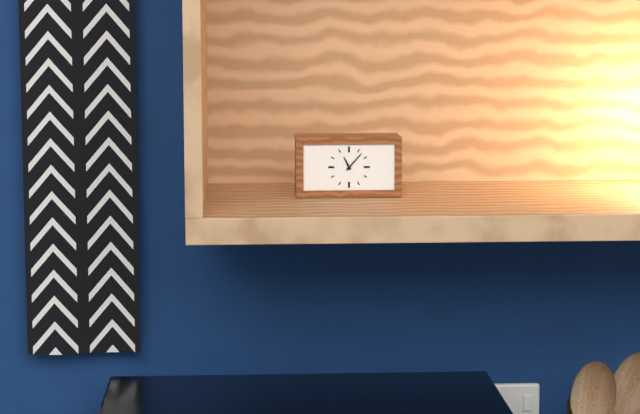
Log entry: h=11 m=7
